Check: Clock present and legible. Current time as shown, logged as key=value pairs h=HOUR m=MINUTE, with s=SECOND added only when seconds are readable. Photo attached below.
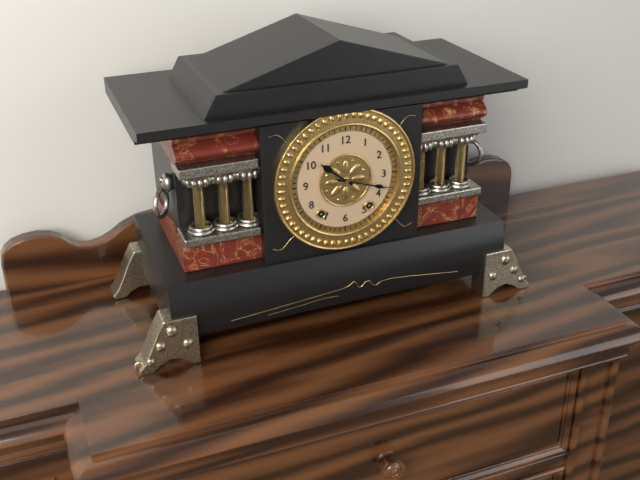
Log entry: h=10 m=18
